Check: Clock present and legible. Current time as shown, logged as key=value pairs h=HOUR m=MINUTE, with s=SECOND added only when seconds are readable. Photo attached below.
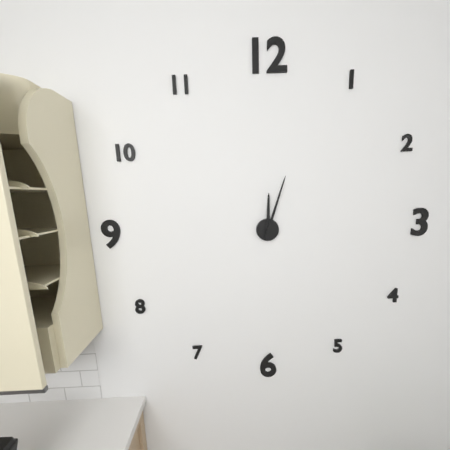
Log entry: h=12 m=3
